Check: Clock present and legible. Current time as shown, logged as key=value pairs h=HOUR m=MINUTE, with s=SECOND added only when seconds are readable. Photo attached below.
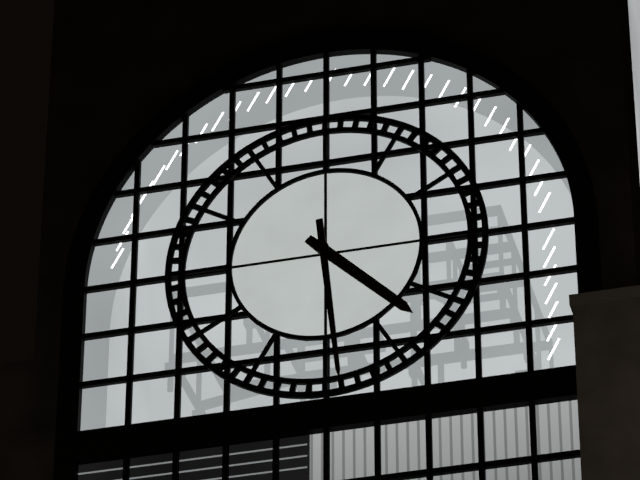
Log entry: h=4 m=29
